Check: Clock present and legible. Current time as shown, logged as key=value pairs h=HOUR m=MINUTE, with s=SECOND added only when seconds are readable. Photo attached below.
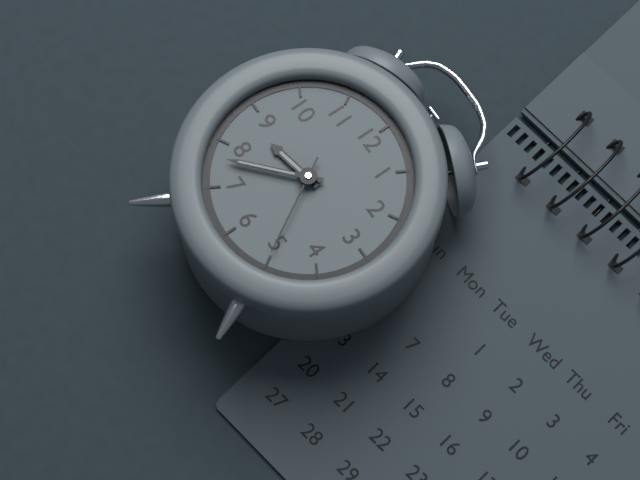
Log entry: h=8 m=38 s=25
